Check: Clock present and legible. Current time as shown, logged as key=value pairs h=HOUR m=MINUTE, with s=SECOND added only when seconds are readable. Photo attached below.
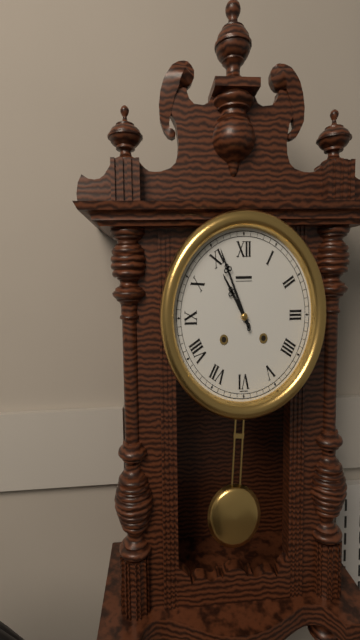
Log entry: h=10 m=56
